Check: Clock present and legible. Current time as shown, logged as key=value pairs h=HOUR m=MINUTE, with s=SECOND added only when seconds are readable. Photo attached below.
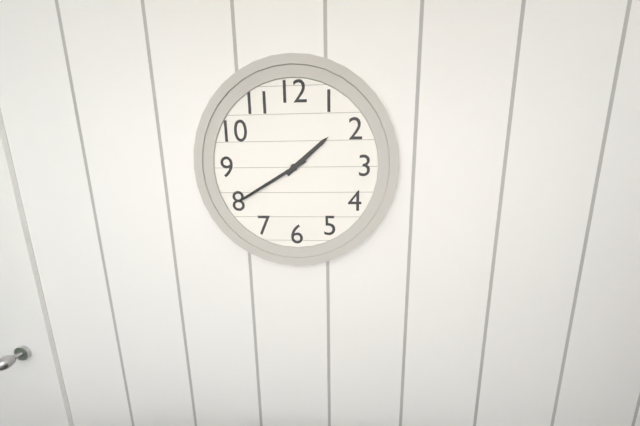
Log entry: h=1 m=40
